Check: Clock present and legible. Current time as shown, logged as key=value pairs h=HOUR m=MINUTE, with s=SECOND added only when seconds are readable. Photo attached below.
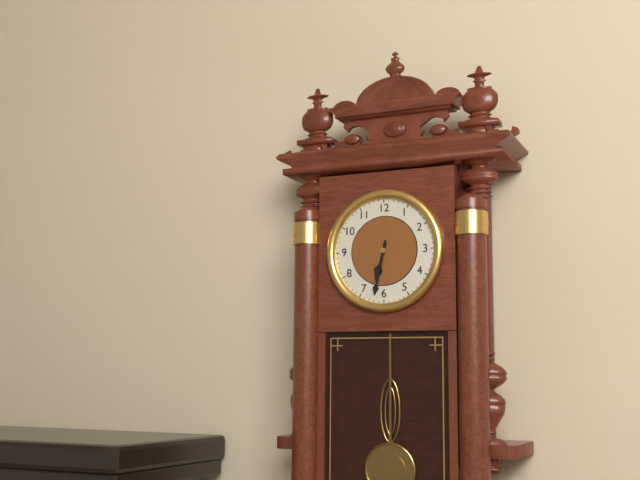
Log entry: h=6 m=32
